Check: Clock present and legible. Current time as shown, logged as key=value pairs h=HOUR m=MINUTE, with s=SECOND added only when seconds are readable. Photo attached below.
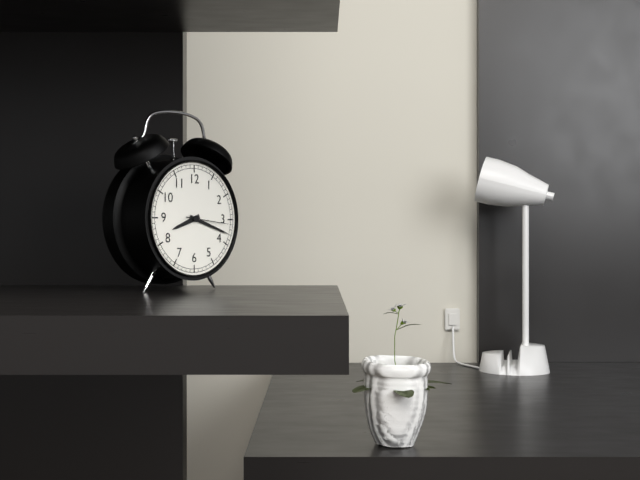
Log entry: h=8 m=18
